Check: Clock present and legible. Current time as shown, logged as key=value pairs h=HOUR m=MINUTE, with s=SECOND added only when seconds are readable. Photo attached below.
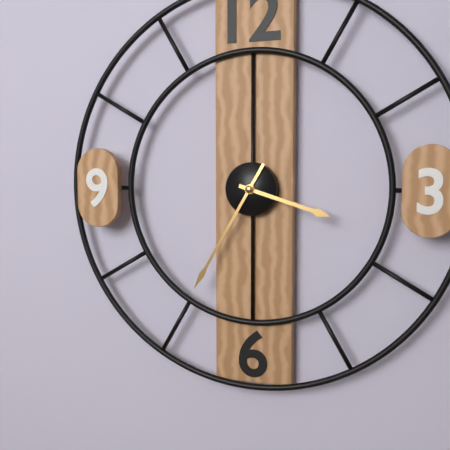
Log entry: h=3 m=35
